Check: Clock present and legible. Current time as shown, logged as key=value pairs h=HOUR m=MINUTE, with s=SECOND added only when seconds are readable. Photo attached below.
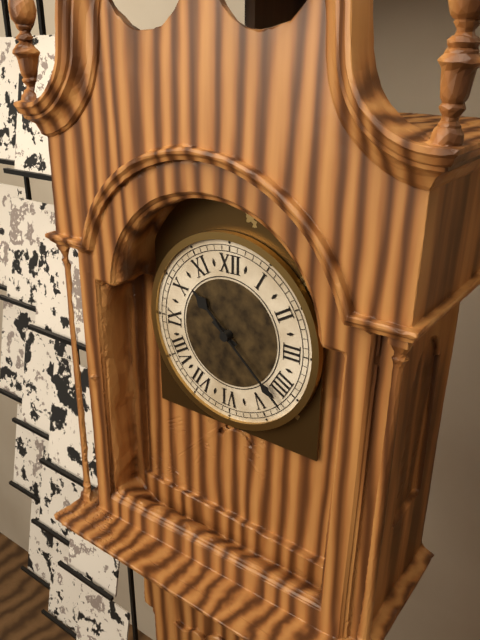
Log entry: h=10 m=22
